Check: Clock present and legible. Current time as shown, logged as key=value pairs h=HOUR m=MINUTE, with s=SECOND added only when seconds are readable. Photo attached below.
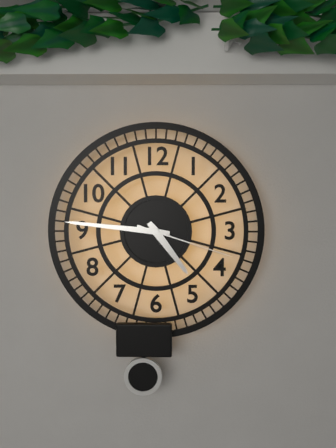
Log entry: h=4 m=46 s=18
